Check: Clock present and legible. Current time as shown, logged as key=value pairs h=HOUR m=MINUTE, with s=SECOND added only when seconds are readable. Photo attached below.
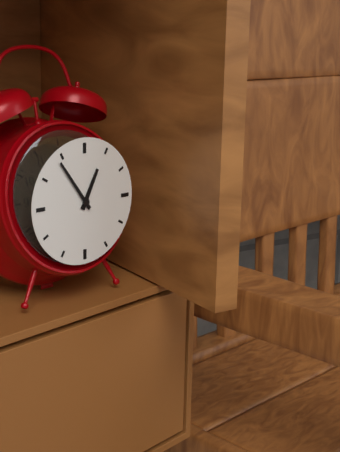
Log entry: h=12 m=54
